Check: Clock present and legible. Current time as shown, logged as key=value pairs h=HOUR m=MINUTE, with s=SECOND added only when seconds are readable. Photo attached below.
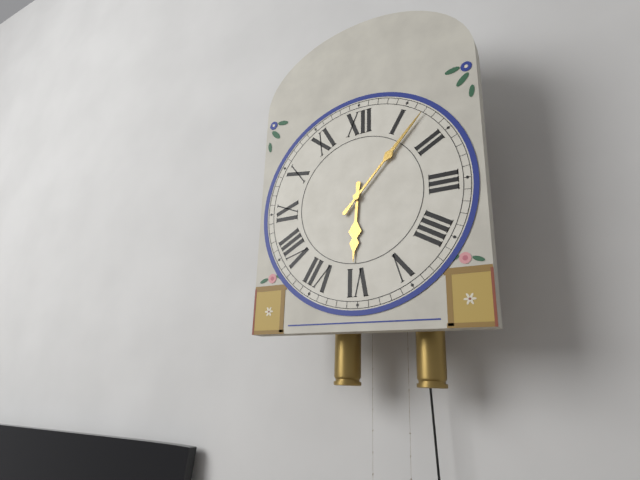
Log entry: h=6 m=7
